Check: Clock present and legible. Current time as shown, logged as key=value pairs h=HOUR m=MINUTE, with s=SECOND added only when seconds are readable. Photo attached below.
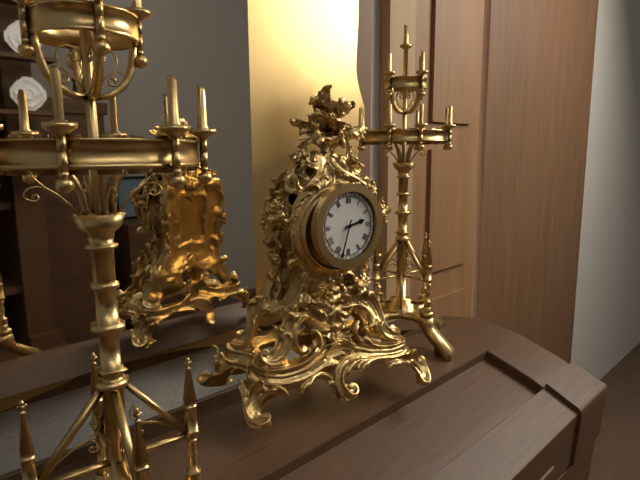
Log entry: h=2 m=33
